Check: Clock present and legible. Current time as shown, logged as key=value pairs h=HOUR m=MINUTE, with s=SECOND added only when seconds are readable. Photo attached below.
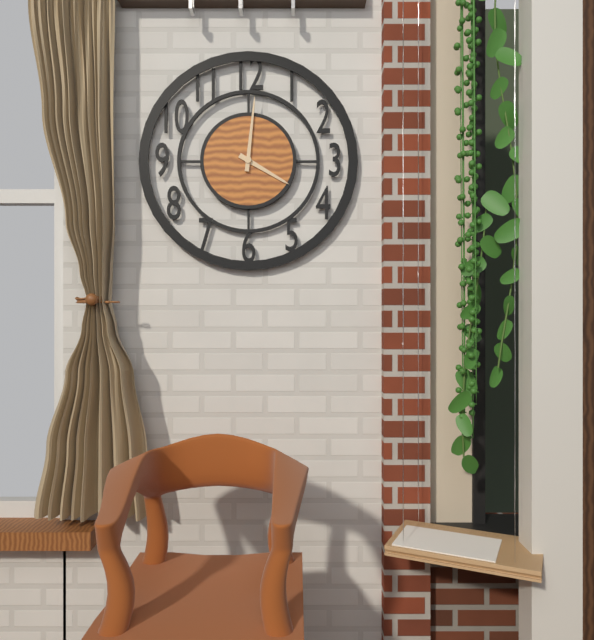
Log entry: h=4 m=1
